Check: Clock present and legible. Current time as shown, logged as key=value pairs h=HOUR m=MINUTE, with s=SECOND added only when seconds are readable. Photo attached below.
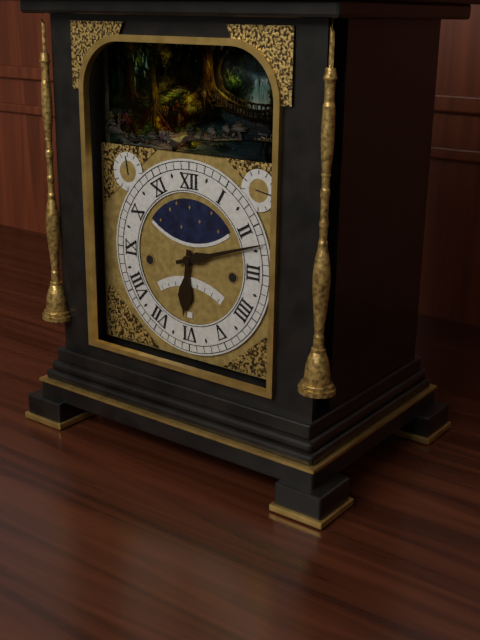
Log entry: h=6 m=12
